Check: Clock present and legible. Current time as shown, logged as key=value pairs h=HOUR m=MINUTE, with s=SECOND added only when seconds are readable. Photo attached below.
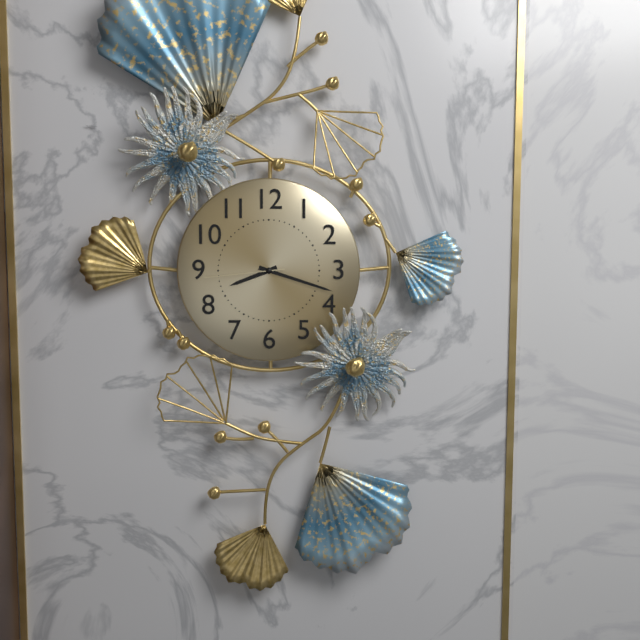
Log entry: h=8 m=18 s=44
